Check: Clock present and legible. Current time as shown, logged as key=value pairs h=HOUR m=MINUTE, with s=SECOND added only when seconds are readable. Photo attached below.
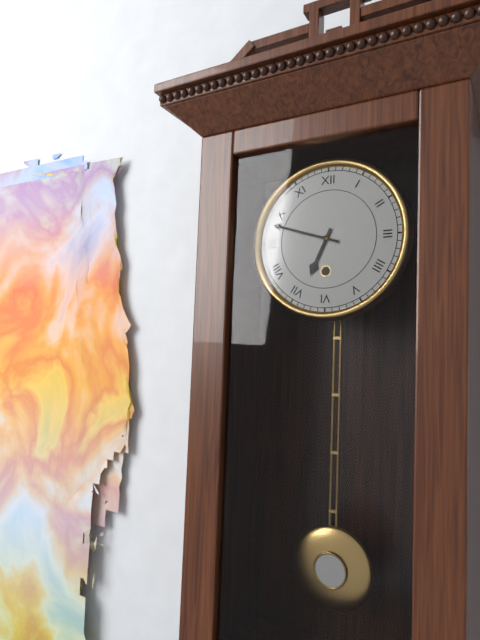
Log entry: h=6 m=48
